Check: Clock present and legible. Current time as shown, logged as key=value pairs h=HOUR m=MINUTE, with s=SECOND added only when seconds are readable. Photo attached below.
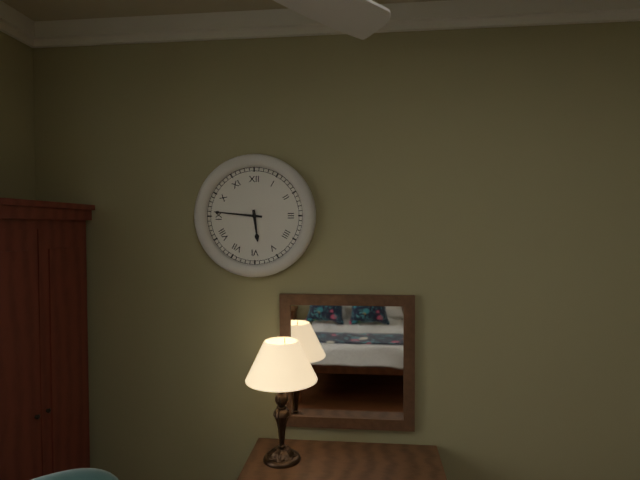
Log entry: h=5 m=46
